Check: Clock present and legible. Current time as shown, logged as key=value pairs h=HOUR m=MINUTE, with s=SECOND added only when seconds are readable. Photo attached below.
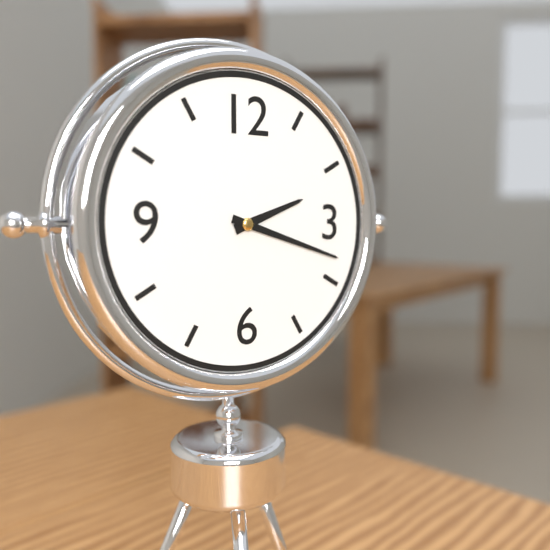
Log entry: h=2 m=18
